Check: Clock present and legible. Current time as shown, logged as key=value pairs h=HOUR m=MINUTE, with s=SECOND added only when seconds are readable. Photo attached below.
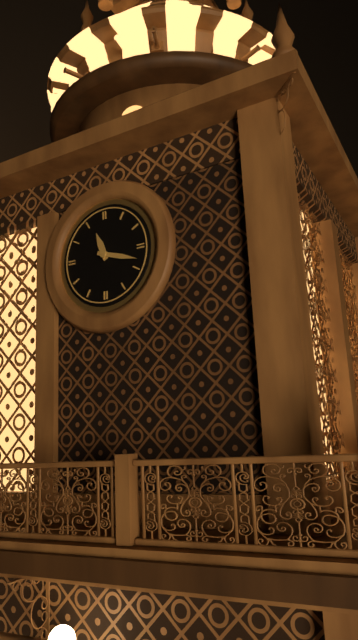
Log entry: h=11 m=18
